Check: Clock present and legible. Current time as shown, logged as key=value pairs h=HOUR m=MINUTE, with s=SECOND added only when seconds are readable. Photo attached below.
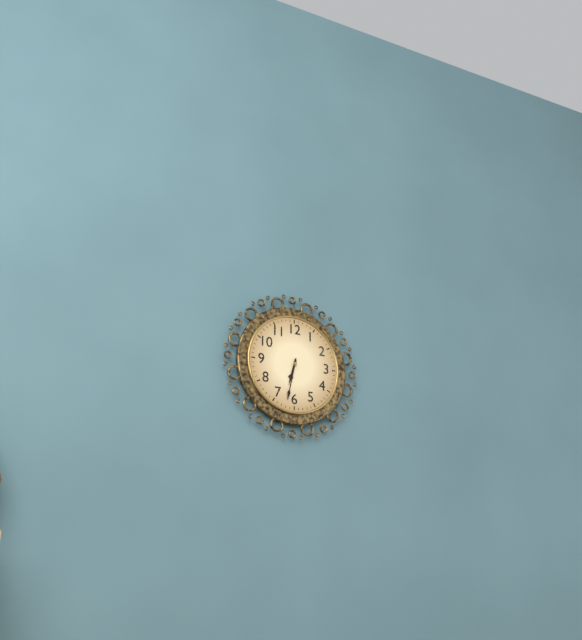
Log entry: h=6 m=32
